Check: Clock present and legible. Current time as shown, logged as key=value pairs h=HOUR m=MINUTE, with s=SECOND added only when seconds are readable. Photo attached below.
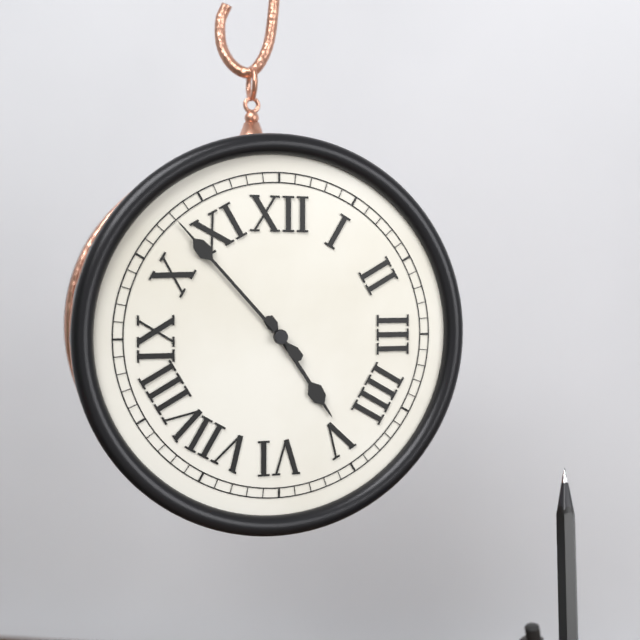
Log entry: h=4 m=53
